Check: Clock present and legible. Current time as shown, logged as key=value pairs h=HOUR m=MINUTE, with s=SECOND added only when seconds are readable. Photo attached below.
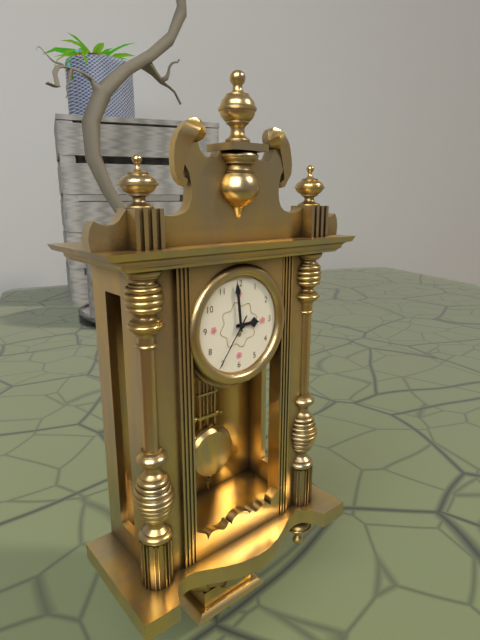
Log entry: h=2 m=59 s=36
